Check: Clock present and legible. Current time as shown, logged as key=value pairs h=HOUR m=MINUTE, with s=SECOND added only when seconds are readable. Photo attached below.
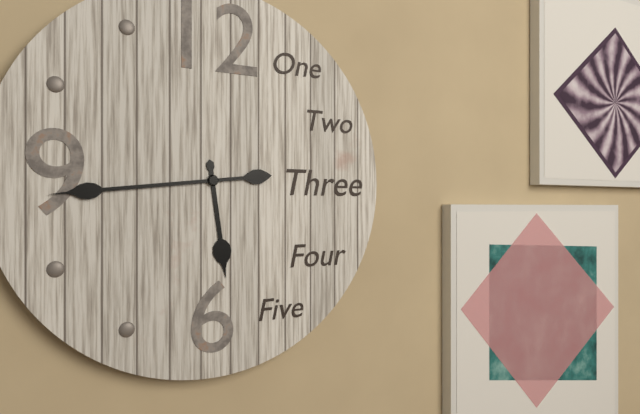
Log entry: h=5 m=44
